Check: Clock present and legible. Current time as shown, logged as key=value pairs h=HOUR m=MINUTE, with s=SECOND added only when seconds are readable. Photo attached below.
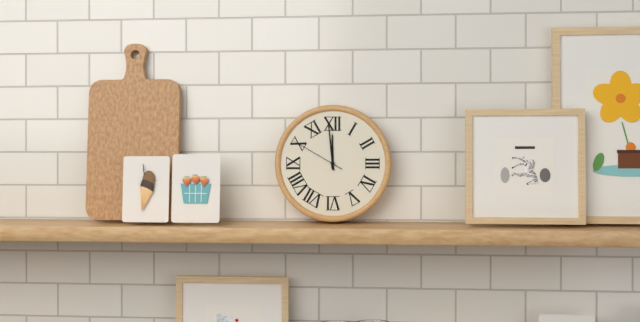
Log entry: h=11 m=59 s=50
